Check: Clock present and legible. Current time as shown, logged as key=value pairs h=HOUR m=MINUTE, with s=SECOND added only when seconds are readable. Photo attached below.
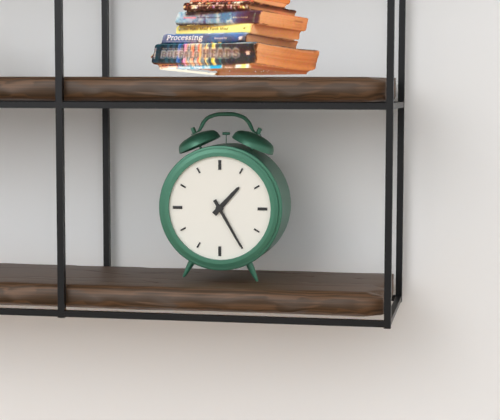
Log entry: h=1 m=25
